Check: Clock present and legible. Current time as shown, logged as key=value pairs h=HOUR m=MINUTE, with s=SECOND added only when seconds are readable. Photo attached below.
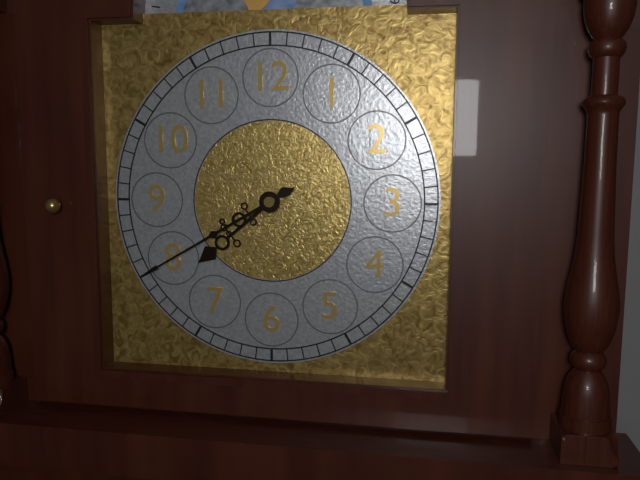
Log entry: h=7 m=40
